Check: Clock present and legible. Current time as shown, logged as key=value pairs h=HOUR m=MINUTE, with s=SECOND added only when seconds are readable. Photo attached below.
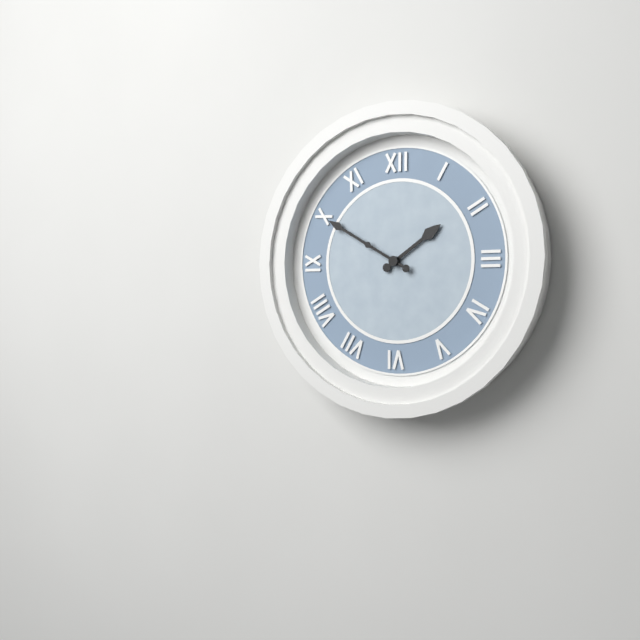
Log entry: h=1 m=50
